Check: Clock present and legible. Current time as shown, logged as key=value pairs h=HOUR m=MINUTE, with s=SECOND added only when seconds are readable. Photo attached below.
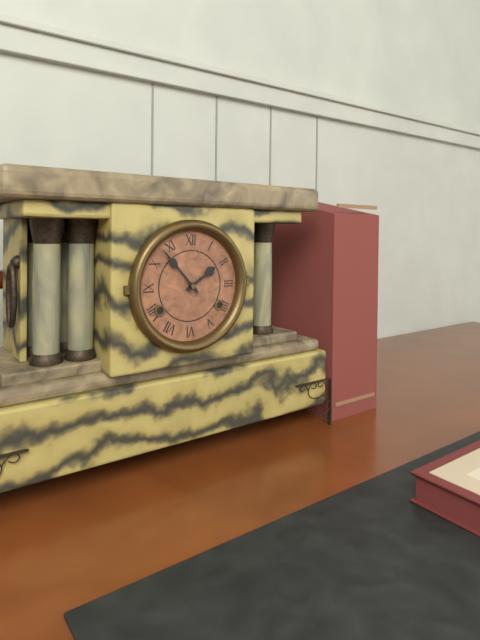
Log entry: h=1 m=53
